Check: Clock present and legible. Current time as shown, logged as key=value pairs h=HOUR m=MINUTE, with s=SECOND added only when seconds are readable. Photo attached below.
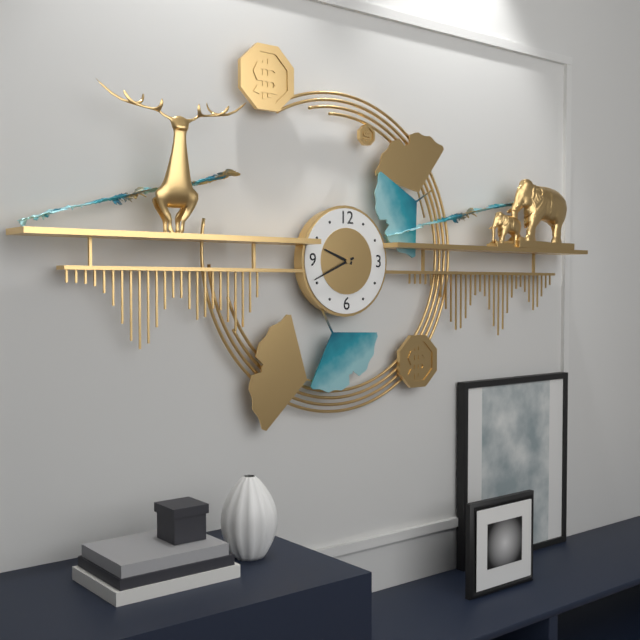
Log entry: h=9 m=41
